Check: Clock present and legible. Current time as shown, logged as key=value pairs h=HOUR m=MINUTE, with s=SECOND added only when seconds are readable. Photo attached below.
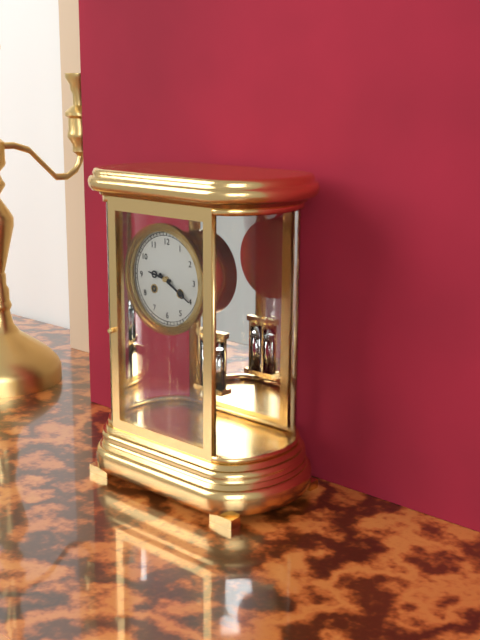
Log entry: h=9 m=20
